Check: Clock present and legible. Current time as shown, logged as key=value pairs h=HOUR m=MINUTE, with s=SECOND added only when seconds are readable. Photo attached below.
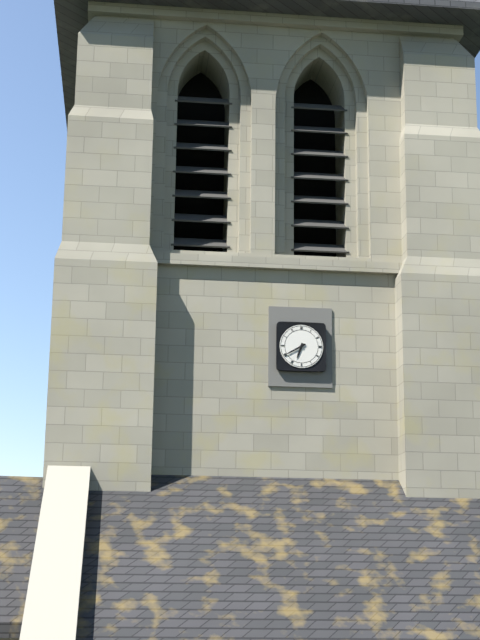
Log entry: h=6 m=40
